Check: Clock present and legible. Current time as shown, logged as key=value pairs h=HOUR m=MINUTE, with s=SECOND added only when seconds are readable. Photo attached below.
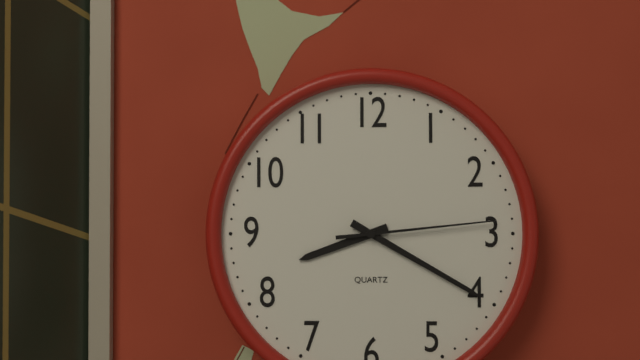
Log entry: h=8 m=20 s=14
